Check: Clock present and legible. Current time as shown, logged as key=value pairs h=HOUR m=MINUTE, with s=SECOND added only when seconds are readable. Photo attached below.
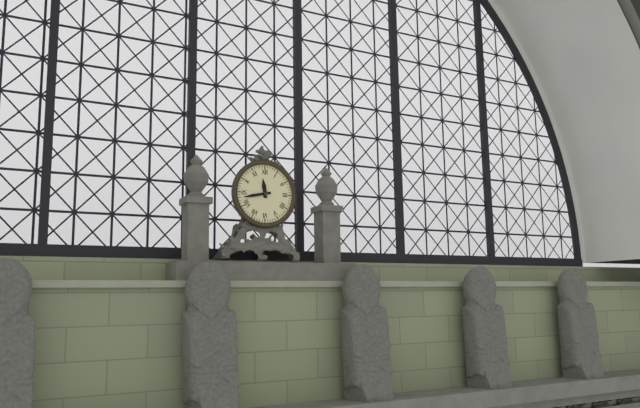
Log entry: h=11 m=43
